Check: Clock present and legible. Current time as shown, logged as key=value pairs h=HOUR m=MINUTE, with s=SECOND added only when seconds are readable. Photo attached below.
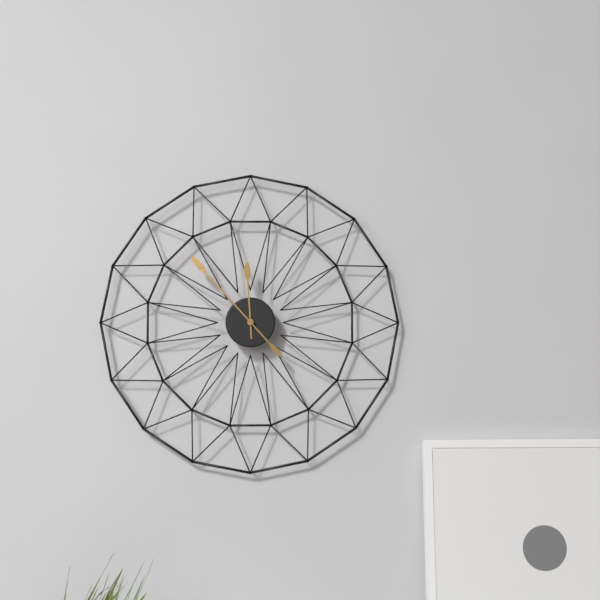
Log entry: h=11 m=53
